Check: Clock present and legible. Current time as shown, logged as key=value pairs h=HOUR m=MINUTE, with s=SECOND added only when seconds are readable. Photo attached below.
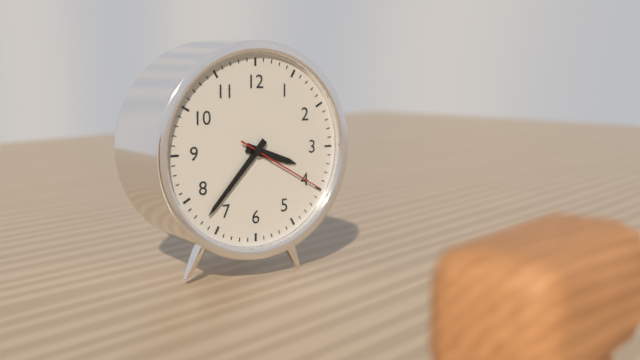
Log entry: h=3 m=37 s=20
